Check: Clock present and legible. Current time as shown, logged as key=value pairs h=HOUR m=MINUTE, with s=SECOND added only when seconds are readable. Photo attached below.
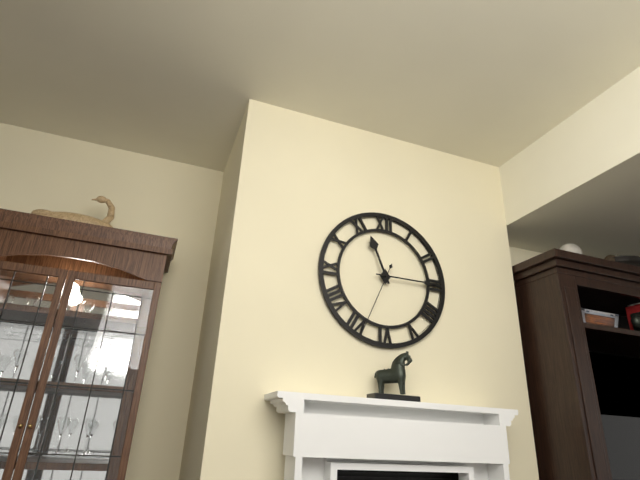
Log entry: h=11 m=15 s=34
